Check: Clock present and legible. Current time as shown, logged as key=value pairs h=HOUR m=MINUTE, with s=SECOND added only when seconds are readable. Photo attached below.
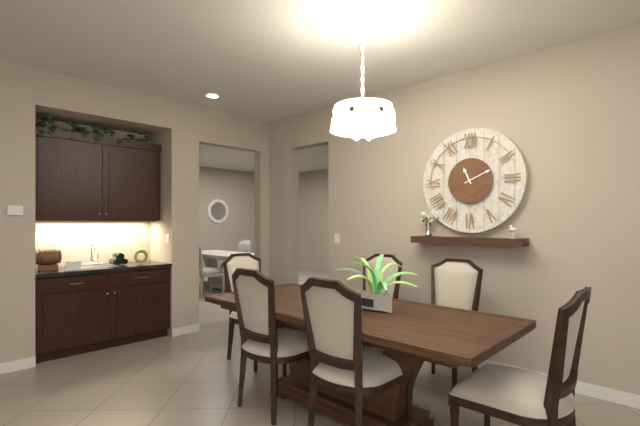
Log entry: h=11 m=11
